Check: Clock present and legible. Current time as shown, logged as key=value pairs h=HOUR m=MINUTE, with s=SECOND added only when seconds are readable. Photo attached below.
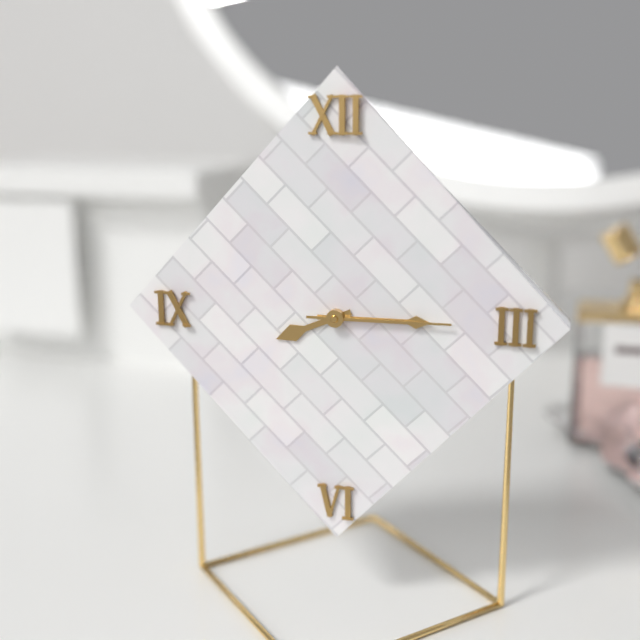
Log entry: h=8 m=15 s=15
